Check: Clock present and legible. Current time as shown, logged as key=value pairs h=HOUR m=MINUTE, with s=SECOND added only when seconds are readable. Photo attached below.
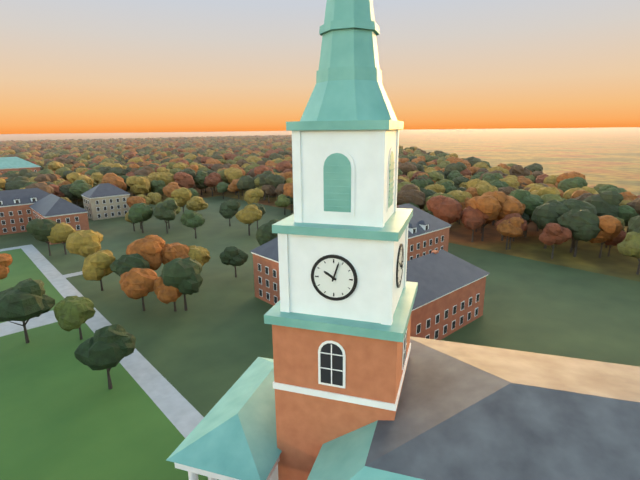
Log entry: h=10 m=3
